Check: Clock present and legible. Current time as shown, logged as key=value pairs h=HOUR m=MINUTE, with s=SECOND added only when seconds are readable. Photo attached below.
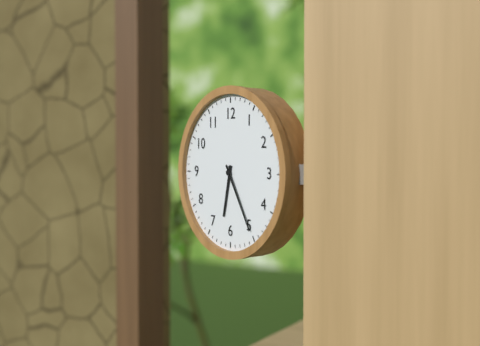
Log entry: h=6 m=25
